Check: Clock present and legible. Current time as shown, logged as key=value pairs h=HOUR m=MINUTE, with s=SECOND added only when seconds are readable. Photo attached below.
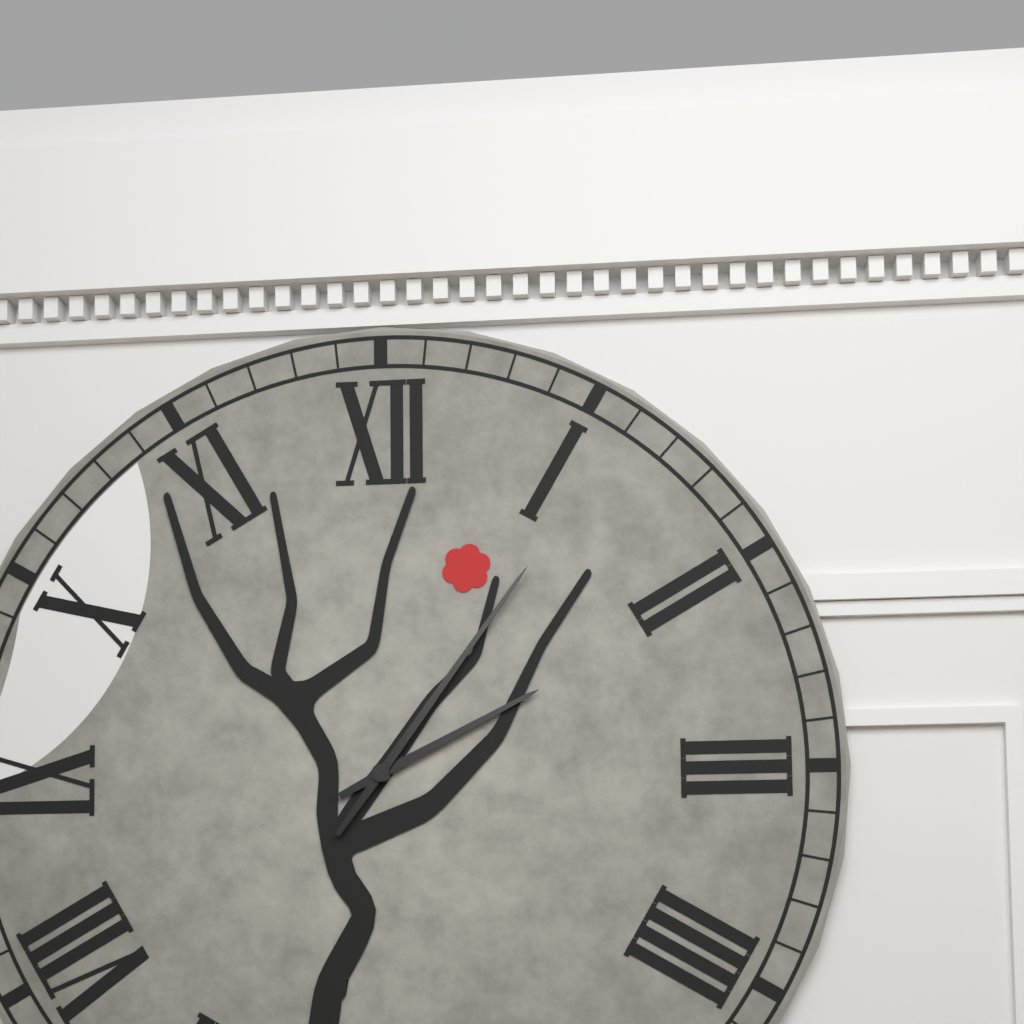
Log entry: h=2 m=6
